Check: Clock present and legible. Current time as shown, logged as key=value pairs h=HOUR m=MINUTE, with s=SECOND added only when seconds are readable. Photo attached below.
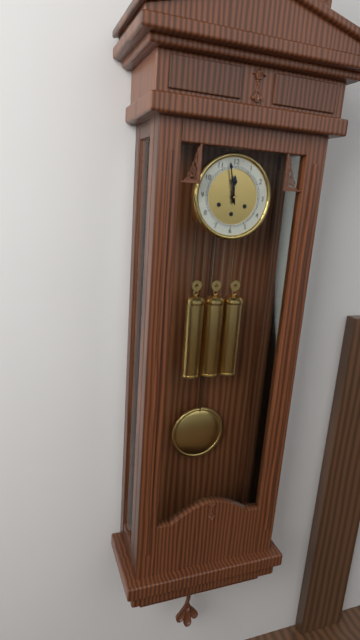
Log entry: h=11 m=58
